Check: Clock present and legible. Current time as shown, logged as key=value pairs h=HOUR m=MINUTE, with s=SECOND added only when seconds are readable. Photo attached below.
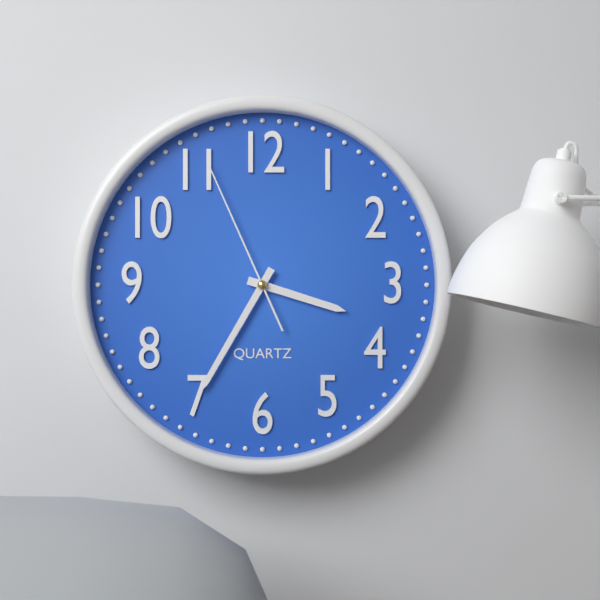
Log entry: h=3 m=35 s=56
